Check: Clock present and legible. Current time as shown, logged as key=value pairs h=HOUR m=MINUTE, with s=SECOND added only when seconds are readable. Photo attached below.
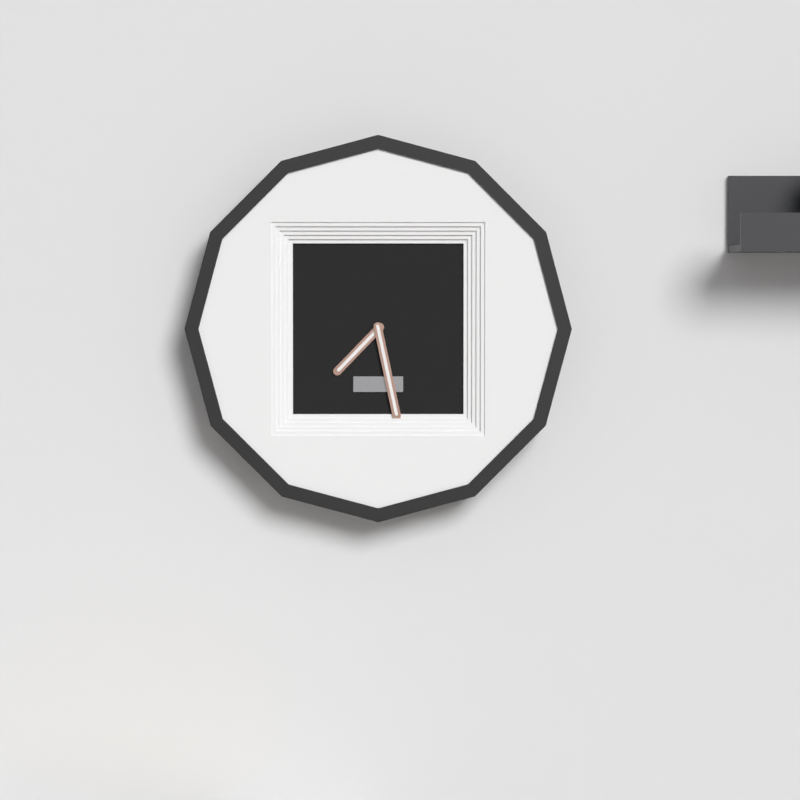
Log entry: h=7 m=28
